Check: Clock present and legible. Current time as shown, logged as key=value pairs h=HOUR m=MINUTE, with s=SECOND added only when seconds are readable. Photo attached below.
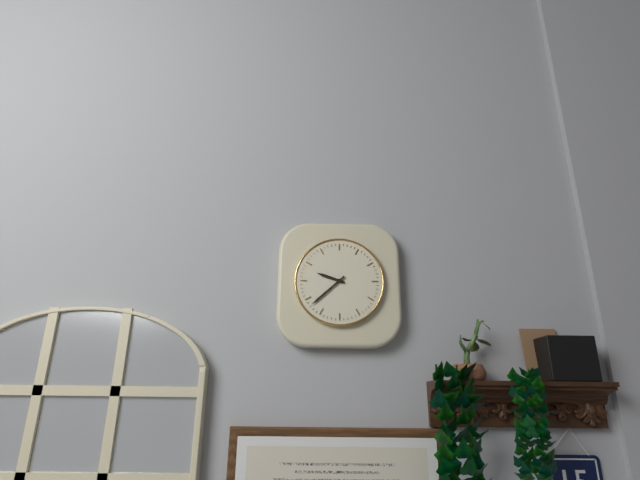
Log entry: h=9 m=38
